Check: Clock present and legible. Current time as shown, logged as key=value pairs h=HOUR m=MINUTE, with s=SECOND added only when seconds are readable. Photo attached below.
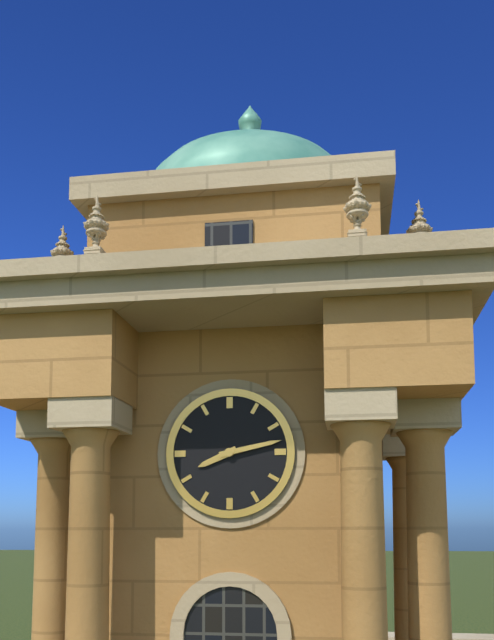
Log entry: h=8 m=13
